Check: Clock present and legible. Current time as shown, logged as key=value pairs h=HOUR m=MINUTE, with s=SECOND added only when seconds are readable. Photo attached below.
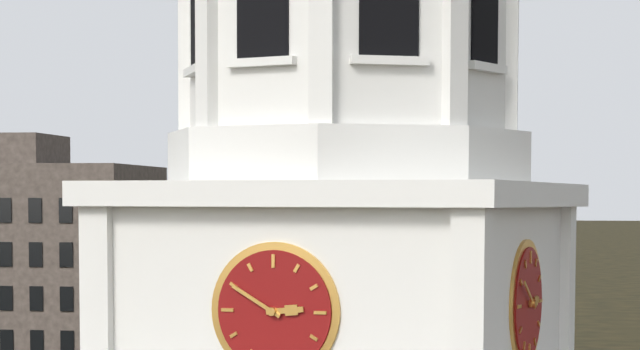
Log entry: h=2 m=50
